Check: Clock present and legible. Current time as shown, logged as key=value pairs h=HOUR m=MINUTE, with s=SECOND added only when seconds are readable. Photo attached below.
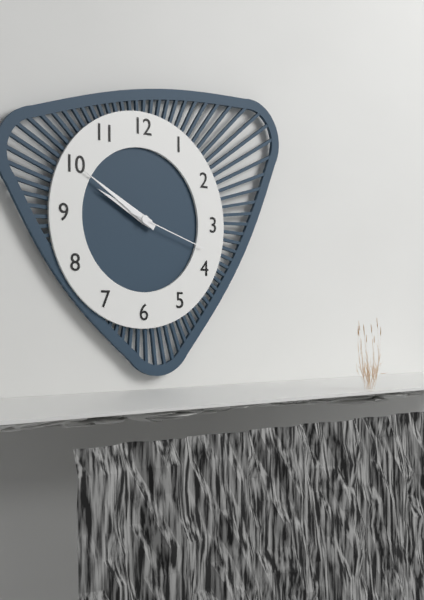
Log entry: h=9 m=50 s=18
